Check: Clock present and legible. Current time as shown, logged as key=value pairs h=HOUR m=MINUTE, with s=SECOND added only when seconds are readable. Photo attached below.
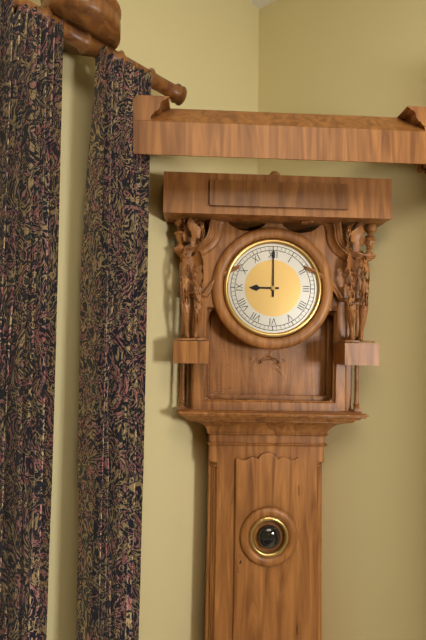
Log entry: h=9 m=0
